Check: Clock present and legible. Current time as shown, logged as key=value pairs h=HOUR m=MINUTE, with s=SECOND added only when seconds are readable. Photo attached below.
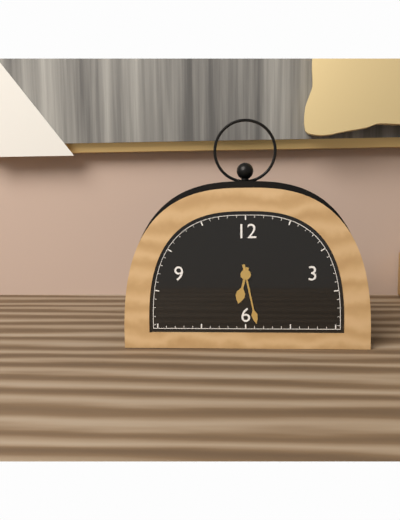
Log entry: h=6 m=28
